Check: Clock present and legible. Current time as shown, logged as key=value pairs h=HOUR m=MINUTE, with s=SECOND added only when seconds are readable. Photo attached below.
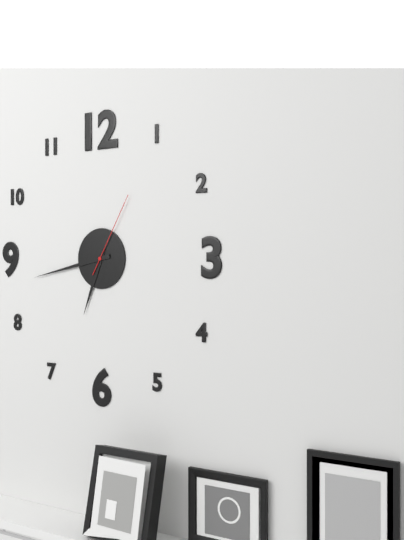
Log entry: h=6 m=43 s=5
